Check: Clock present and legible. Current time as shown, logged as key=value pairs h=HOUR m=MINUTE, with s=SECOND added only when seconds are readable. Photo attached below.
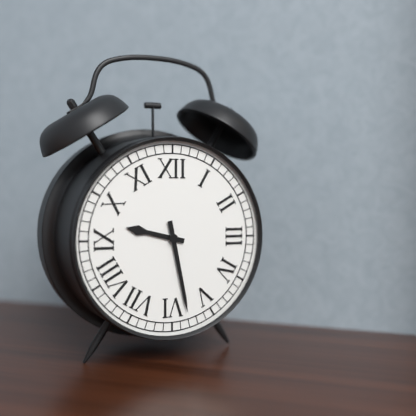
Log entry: h=9 m=28
